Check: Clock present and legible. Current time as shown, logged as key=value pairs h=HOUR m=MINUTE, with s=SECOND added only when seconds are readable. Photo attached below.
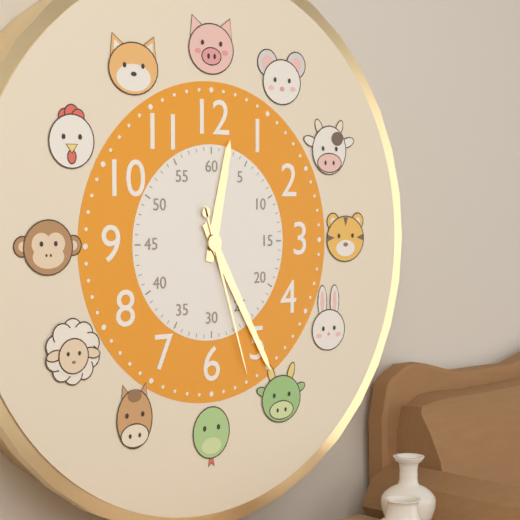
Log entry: h=12 m=25 s=27
